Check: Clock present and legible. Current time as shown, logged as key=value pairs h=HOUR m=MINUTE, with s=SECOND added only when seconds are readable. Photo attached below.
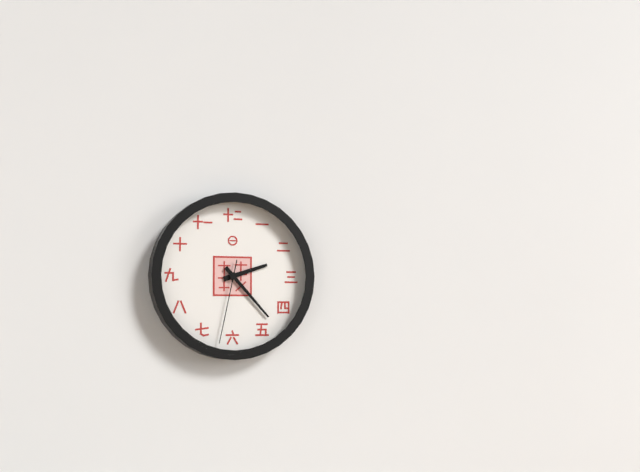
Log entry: h=2 m=23 s=32
